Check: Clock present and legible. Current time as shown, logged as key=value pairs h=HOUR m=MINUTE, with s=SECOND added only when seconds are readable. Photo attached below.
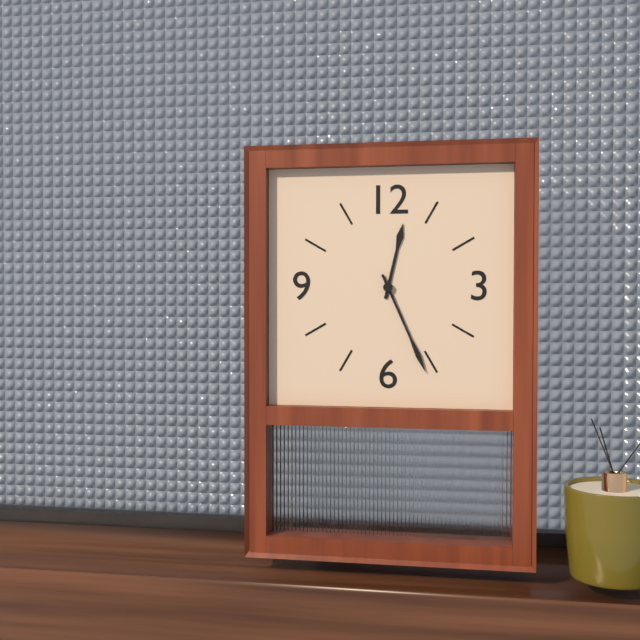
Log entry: h=12 m=26
